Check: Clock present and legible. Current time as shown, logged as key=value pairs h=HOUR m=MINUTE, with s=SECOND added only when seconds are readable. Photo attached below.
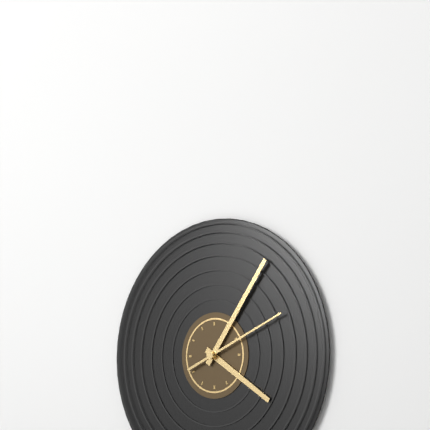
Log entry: h=4 m=6 s=11
